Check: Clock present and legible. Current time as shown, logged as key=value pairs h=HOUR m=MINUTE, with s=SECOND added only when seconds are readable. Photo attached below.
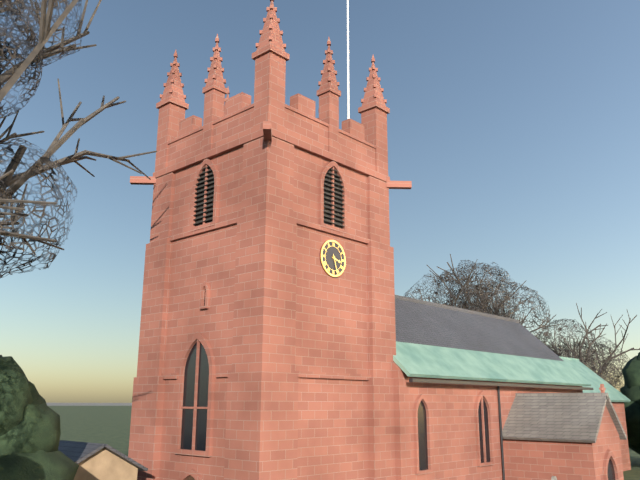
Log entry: h=3 m=27
